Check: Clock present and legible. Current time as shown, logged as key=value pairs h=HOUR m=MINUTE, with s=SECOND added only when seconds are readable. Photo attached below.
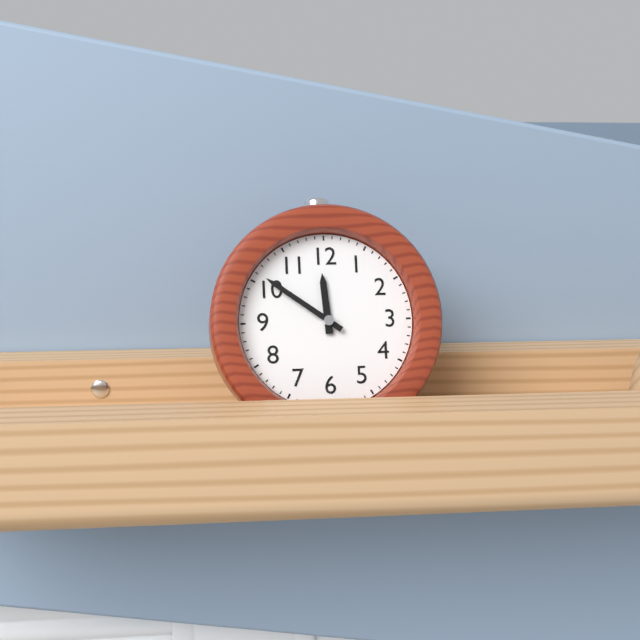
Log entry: h=11 m=51
